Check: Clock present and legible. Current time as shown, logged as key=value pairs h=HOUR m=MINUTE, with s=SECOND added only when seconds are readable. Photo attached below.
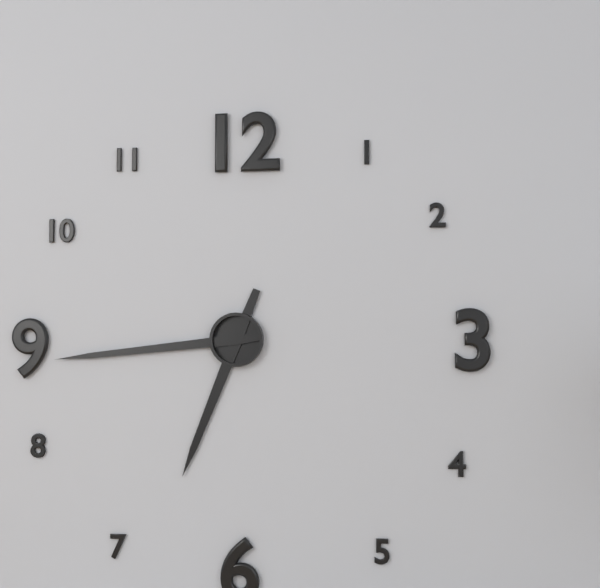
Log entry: h=6 m=44
